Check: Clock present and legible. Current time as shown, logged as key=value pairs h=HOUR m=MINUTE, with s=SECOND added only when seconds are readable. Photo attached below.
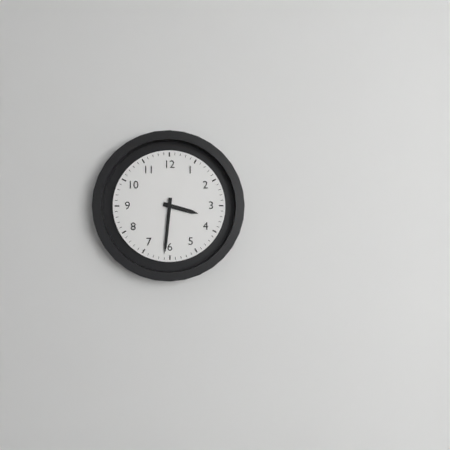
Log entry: h=3 m=31
